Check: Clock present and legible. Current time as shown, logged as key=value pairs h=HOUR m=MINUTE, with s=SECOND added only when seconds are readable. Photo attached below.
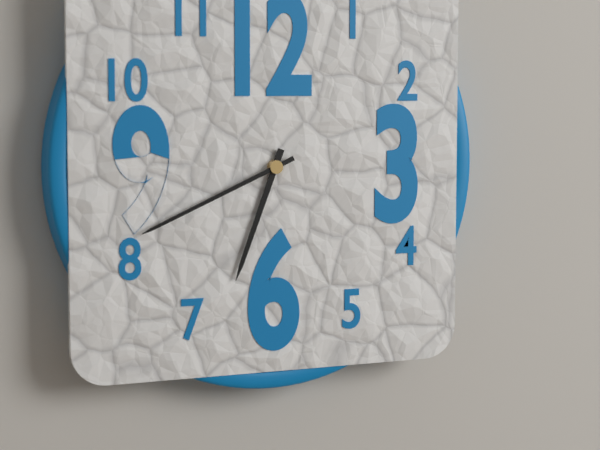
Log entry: h=6 m=41
